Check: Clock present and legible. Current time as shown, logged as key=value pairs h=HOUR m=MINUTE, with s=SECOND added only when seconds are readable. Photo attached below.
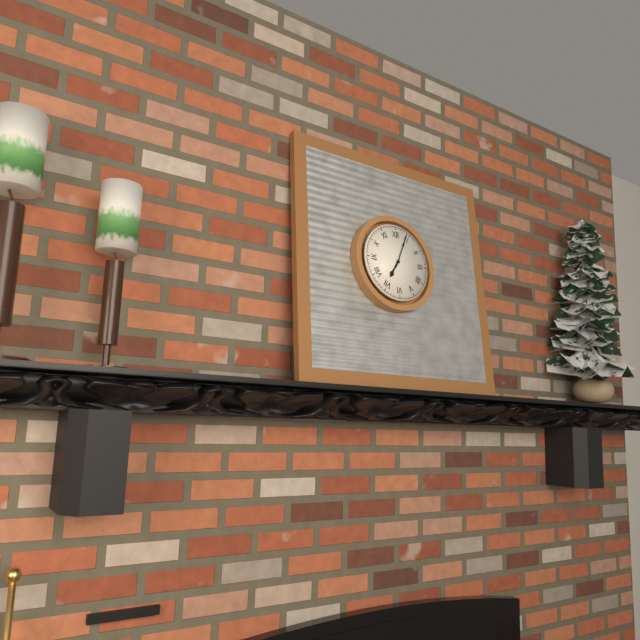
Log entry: h=7 m=4
